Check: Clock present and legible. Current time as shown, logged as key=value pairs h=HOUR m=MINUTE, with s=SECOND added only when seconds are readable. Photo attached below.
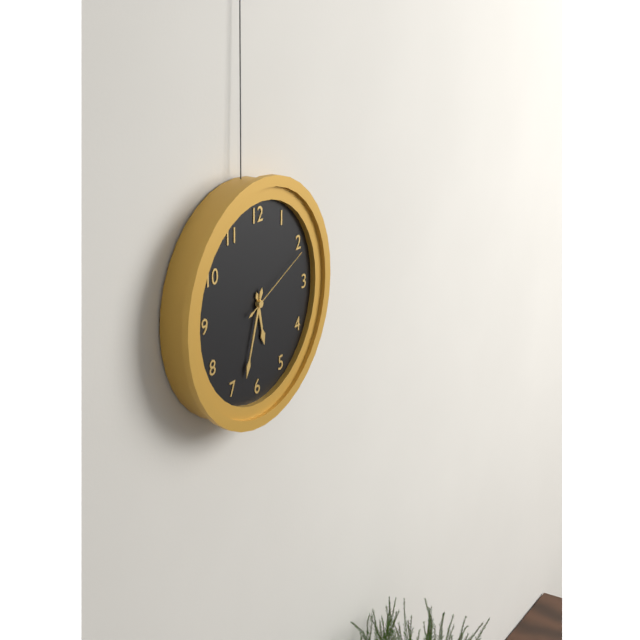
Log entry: h=5 m=33 s=11
